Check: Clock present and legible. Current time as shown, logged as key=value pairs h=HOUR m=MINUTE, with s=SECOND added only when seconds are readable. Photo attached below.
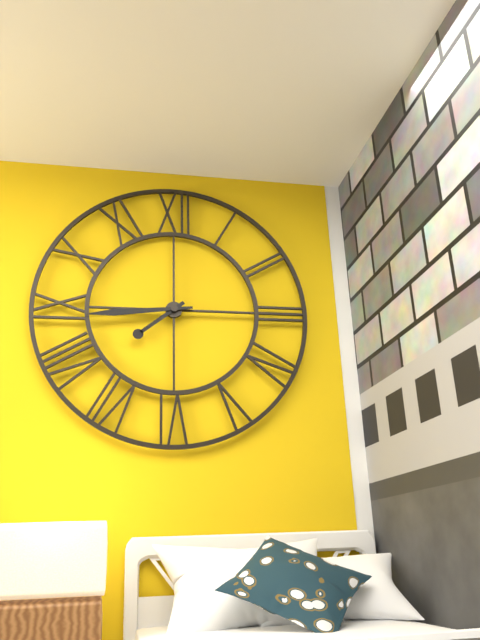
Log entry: h=7 m=44
